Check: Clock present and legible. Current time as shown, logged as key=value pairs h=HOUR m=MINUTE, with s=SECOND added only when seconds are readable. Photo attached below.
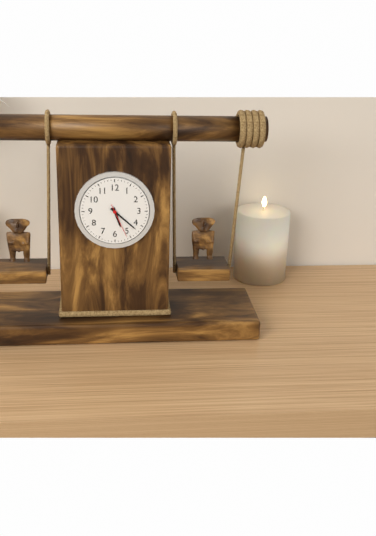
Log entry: h=5 m=22
